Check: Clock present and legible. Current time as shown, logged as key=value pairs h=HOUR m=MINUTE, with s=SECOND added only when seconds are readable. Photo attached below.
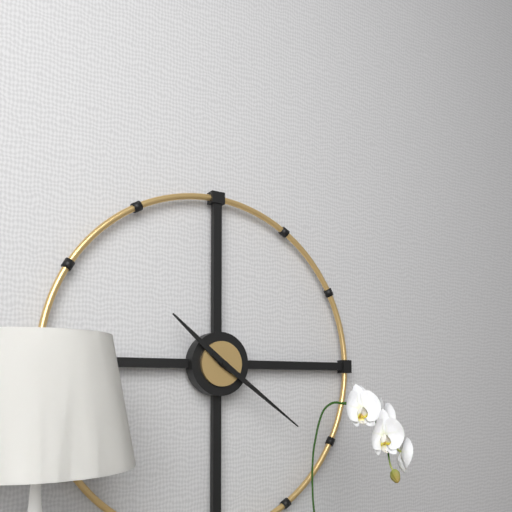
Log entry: h=10 m=21
